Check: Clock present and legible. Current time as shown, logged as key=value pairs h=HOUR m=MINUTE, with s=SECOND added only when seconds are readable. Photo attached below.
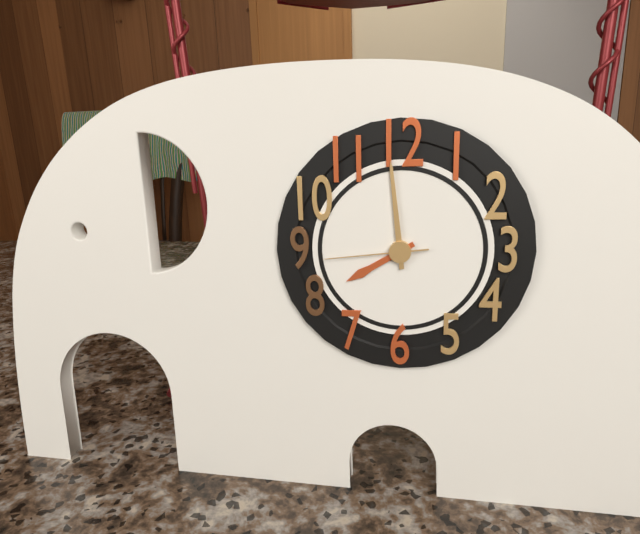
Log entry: h=7 m=59 s=44
